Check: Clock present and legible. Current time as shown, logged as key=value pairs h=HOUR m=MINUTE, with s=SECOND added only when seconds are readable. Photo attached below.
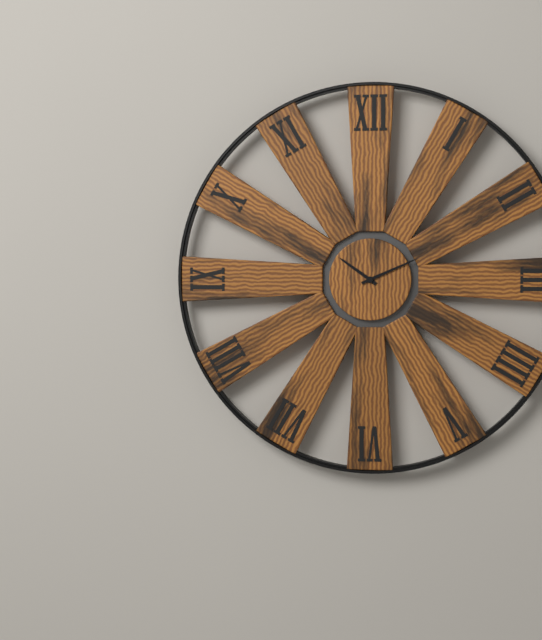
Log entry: h=10 m=11
